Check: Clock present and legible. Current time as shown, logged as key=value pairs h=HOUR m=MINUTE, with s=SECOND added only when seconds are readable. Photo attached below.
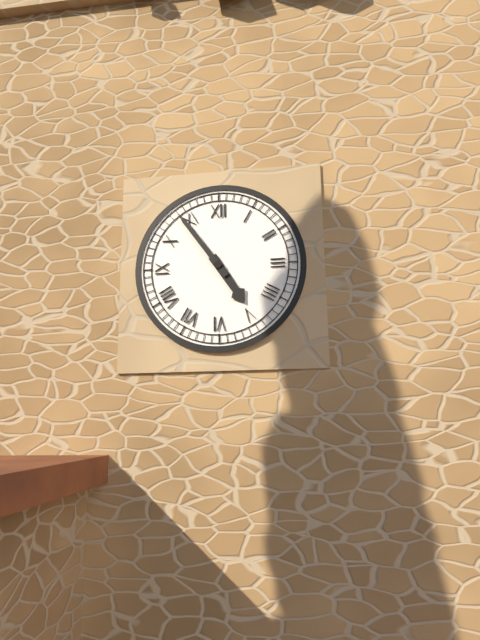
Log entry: h=4 m=54
